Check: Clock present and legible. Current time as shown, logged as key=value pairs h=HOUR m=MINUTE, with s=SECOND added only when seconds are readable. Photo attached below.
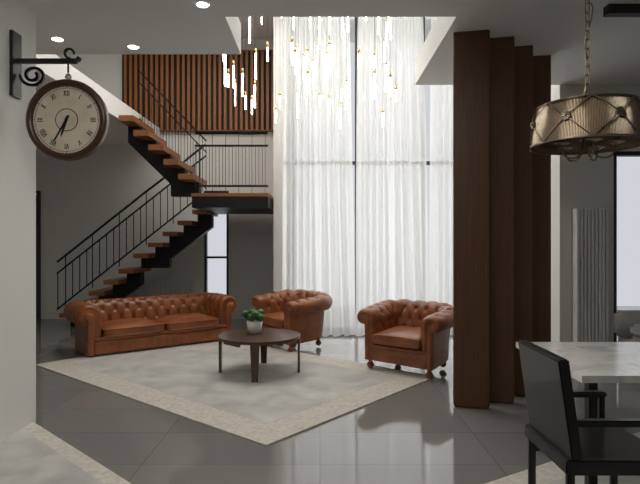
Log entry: h=6 m=35
